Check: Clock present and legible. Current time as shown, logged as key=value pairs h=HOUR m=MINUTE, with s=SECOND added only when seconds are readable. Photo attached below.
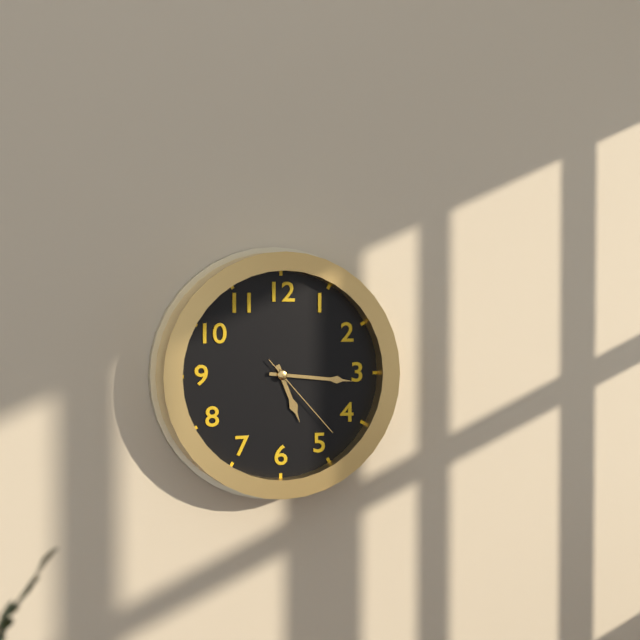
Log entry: h=5 m=16 s=23
